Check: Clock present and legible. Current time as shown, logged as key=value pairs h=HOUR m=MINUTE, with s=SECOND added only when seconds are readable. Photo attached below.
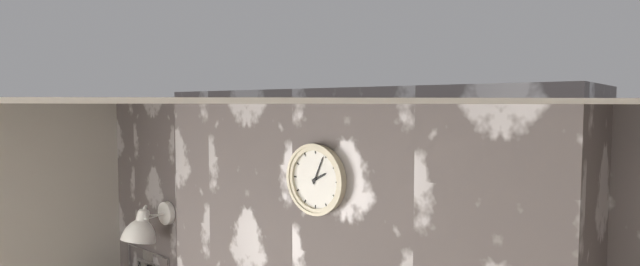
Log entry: h=2 m=4
